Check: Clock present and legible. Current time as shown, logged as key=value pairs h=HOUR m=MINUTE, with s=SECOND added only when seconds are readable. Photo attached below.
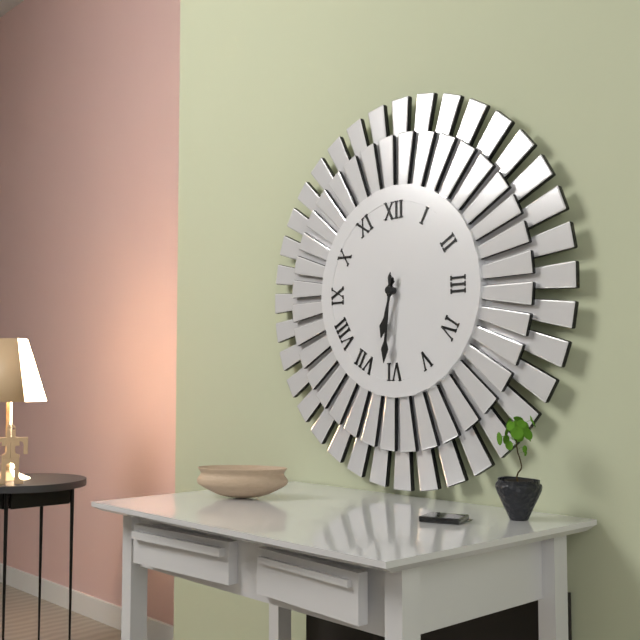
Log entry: h=6 m=31
